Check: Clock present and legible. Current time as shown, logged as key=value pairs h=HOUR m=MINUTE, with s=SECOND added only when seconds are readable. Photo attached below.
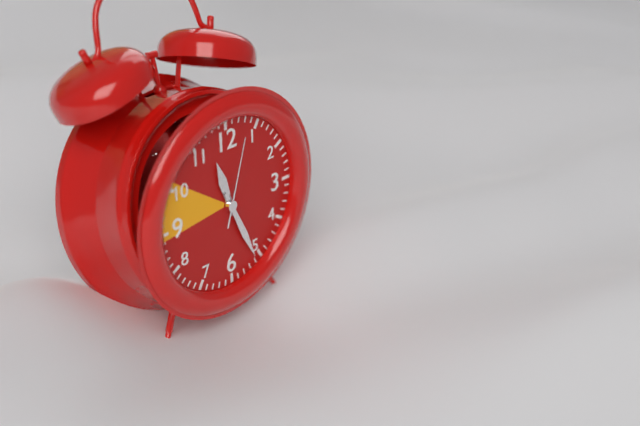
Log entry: h=11 m=26 s=3
